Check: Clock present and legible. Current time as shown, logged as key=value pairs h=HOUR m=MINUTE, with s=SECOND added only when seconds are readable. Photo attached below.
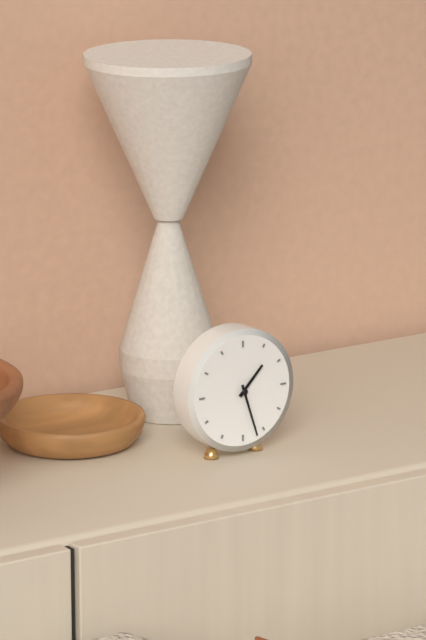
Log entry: h=1 m=27
